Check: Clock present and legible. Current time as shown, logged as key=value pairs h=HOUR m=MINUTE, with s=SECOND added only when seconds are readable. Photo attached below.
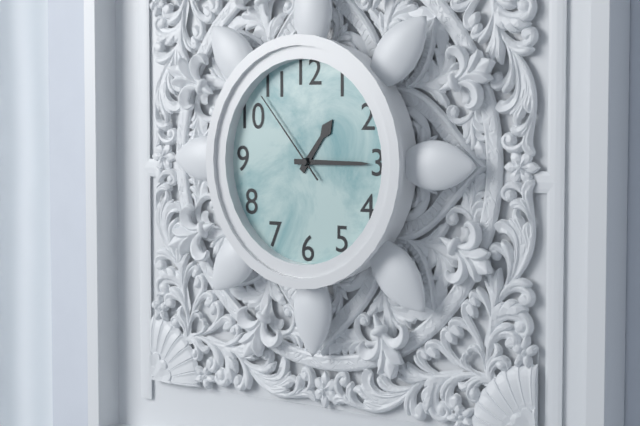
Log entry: h=1 m=15 s=53
